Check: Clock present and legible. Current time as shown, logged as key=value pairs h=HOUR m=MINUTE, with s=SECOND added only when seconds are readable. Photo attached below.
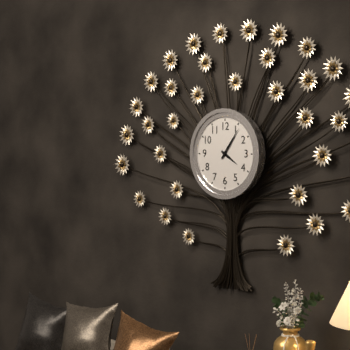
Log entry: h=4 m=6
